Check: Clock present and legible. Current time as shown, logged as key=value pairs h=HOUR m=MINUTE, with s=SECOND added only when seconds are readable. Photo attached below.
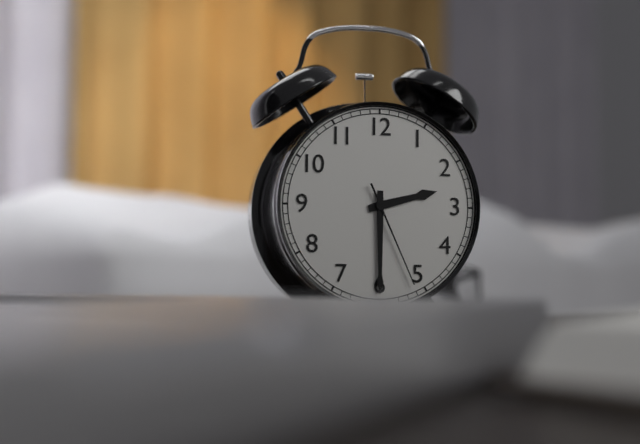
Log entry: h=2 m=30 s=26
